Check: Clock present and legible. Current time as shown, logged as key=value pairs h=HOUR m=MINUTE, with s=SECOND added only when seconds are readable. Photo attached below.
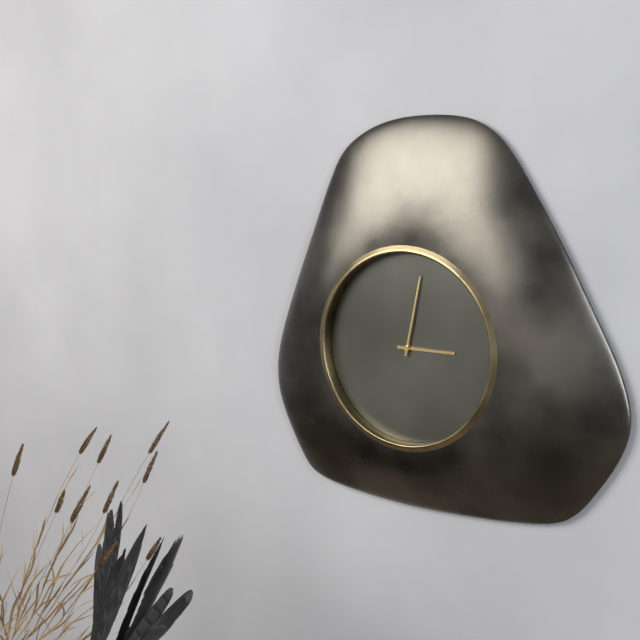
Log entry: h=3 m=2
